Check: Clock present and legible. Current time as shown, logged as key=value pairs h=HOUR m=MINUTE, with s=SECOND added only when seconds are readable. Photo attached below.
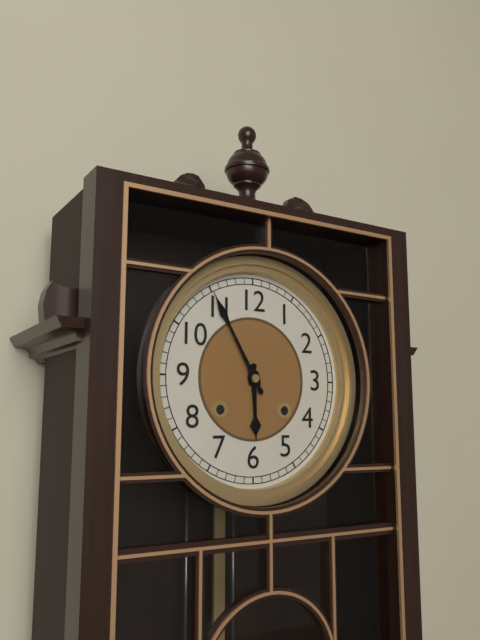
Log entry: h=5 m=55
